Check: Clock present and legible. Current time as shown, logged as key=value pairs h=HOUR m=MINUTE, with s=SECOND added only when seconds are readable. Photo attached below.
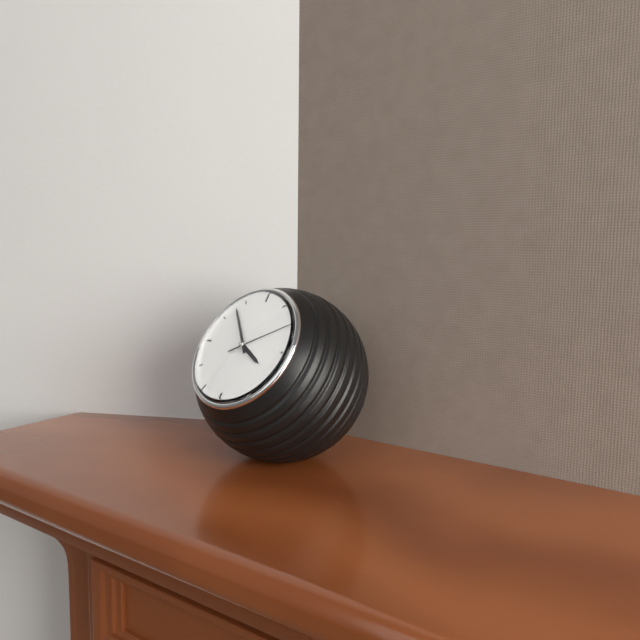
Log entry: h=3 m=53 s=10
